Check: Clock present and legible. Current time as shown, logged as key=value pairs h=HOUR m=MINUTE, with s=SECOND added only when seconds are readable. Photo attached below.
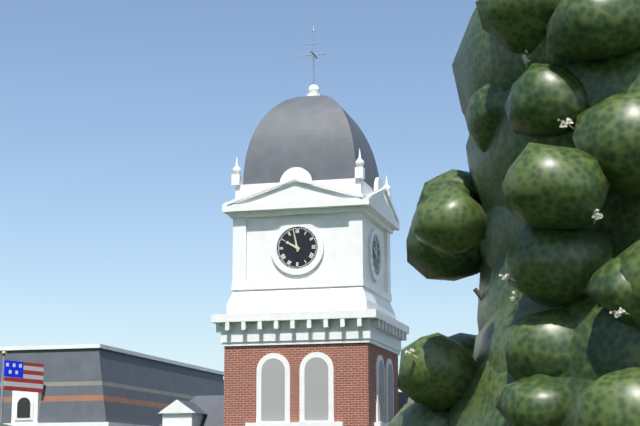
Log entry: h=9 m=58
